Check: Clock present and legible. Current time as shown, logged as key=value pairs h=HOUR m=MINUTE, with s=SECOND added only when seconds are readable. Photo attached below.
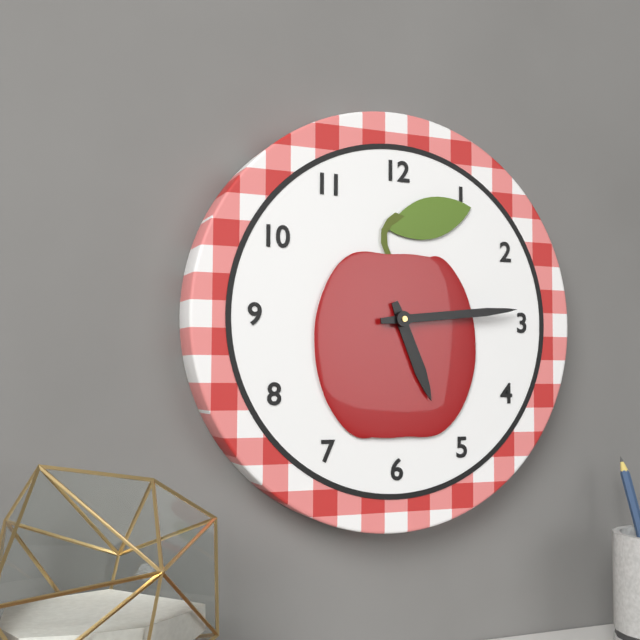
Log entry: h=5 m=14
